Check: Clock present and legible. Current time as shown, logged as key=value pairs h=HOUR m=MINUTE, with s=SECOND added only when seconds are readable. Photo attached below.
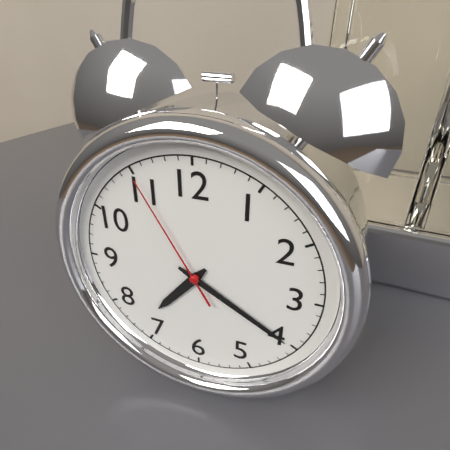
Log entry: h=7 m=20 s=55
